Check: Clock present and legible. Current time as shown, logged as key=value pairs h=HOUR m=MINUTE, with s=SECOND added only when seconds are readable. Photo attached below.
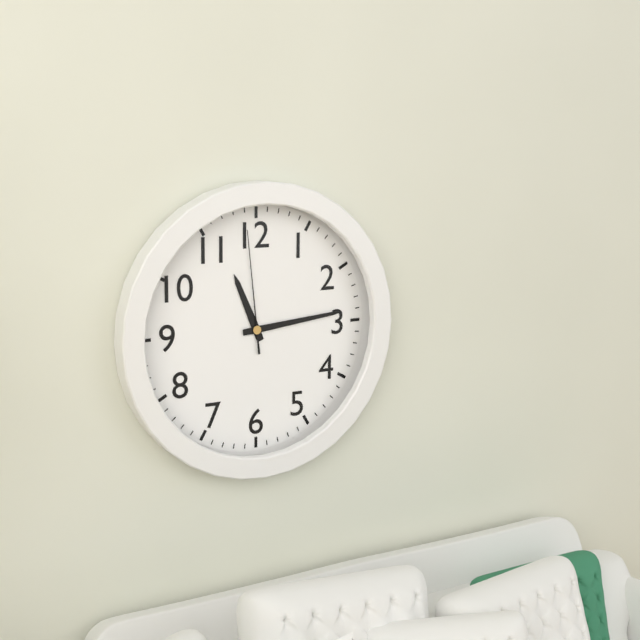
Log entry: h=11 m=14 s=59
